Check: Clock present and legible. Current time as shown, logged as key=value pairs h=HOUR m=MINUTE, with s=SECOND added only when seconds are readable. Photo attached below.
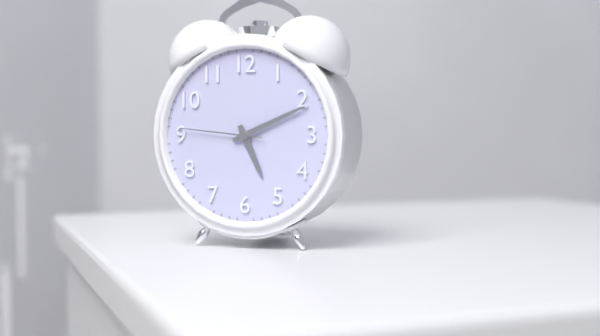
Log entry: h=5 m=11 s=46
